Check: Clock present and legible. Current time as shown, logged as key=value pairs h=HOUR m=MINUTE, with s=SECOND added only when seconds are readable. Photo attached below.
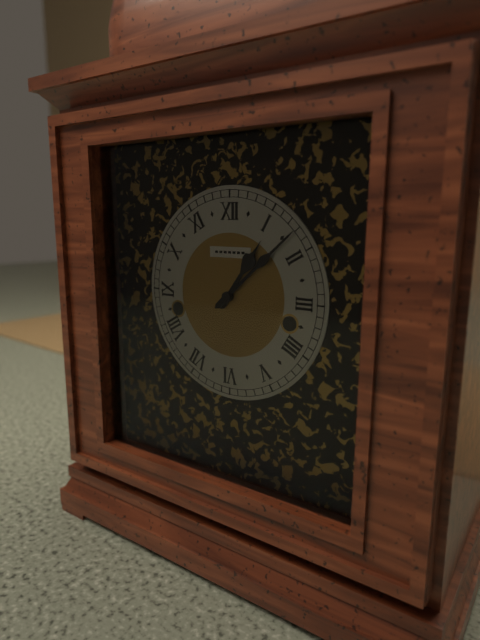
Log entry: h=1 m=8
